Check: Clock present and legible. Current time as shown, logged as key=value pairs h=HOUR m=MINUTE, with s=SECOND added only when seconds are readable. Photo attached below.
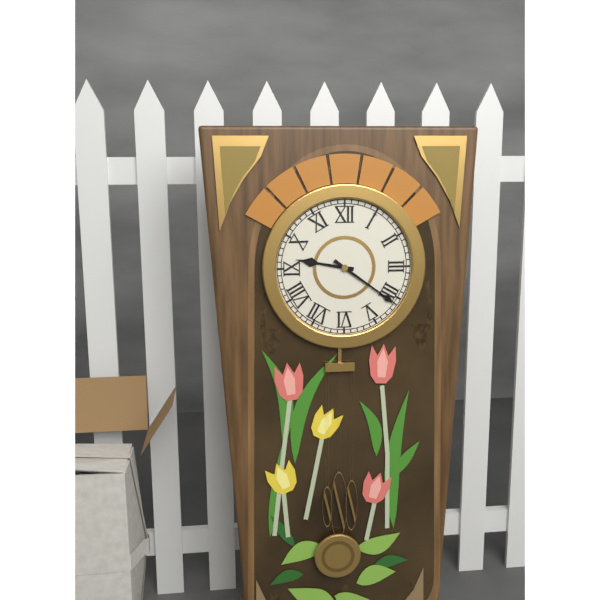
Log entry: h=9 m=21
